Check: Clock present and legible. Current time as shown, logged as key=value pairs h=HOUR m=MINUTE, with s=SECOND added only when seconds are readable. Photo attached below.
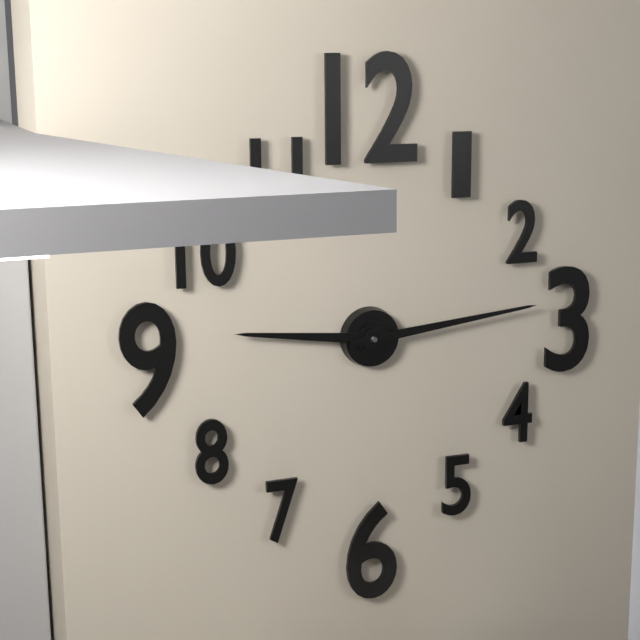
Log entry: h=9 m=14
